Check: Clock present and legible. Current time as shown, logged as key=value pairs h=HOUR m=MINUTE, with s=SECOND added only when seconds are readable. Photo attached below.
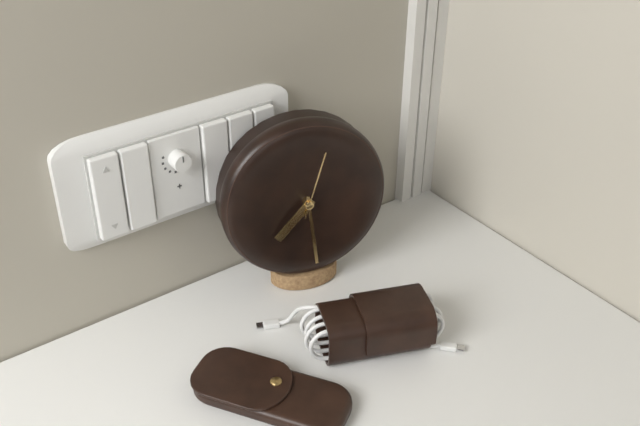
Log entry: h=7 m=29 s=3
